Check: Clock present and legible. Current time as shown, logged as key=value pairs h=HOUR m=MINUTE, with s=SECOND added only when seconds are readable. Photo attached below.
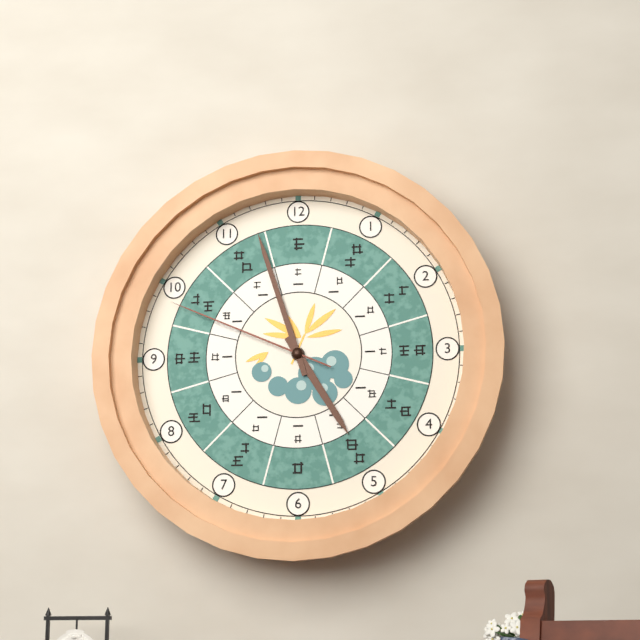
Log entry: h=4 m=57 s=49
